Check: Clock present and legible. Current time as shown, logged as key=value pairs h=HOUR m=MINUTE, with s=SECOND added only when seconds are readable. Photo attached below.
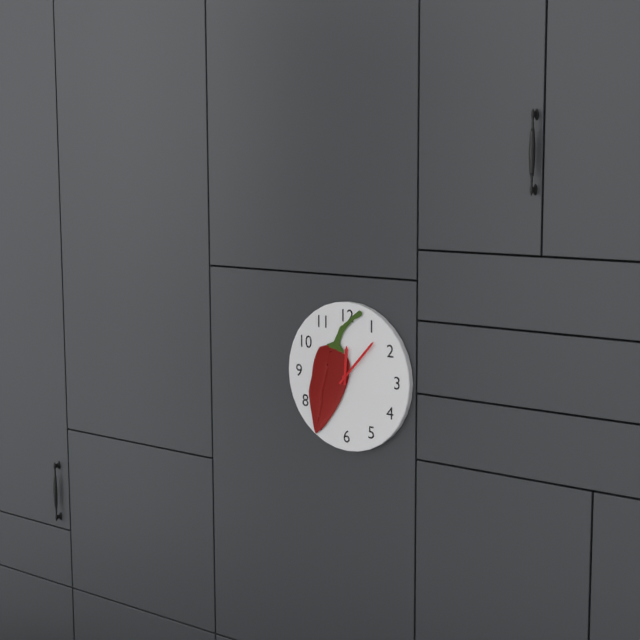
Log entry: h=12 m=7
